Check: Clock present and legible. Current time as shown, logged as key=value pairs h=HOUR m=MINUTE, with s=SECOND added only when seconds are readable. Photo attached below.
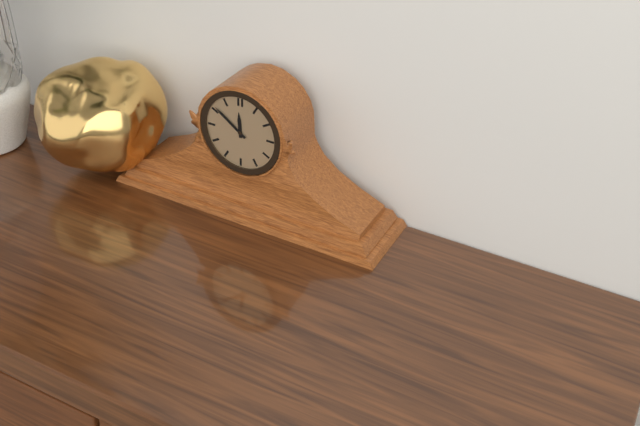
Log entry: h=11 m=51
